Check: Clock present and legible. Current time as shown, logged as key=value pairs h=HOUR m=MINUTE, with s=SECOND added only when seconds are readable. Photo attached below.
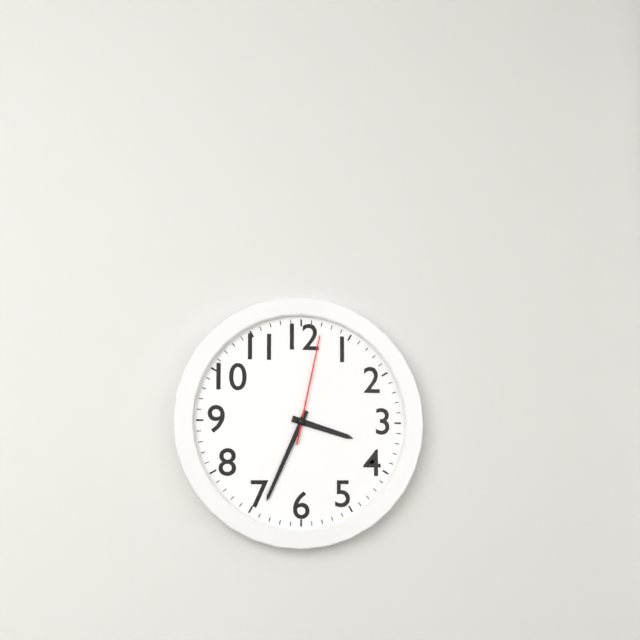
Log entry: h=3 m=34 s=2
